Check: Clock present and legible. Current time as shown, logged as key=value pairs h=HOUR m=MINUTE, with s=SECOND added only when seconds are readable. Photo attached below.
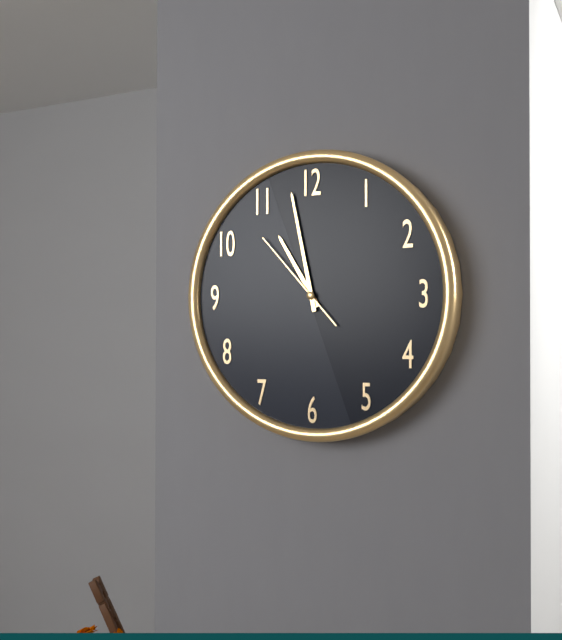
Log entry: h=10 m=58 s=53
